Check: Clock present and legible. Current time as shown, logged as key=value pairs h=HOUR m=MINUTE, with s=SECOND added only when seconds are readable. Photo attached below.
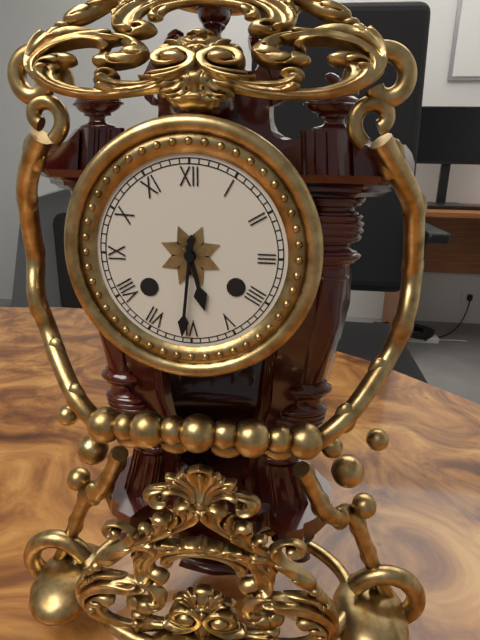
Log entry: h=5 m=31
